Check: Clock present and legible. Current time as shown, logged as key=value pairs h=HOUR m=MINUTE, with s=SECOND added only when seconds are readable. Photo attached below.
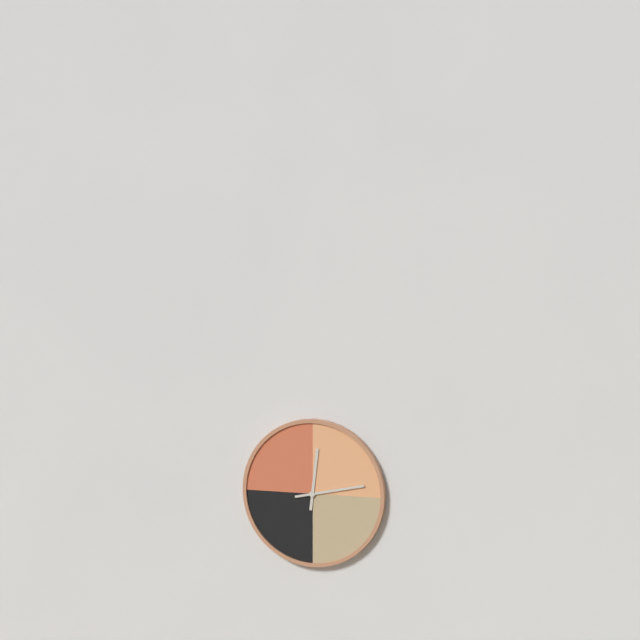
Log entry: h=12 m=13
